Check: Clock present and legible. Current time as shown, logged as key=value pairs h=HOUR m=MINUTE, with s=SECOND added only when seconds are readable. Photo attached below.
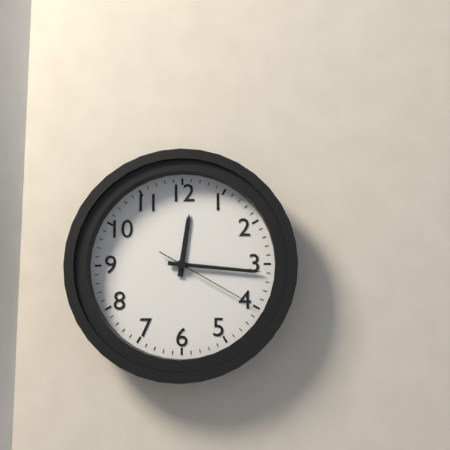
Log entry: h=12 m=16 s=20
